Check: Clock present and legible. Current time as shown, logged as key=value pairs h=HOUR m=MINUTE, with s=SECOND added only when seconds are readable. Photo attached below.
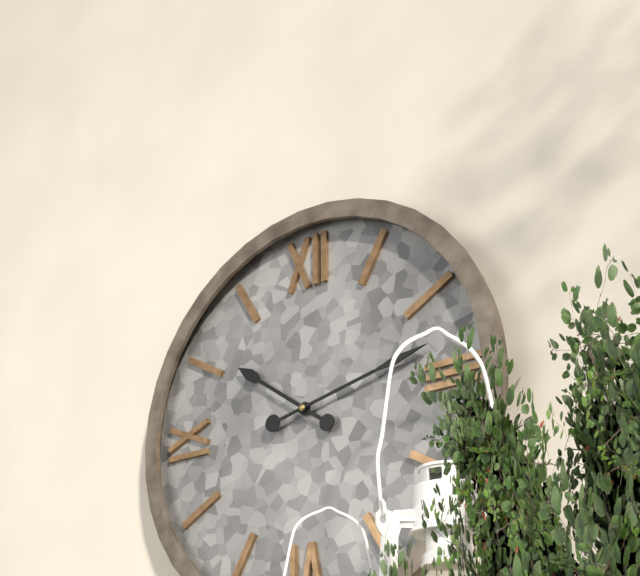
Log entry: h=10 m=13
